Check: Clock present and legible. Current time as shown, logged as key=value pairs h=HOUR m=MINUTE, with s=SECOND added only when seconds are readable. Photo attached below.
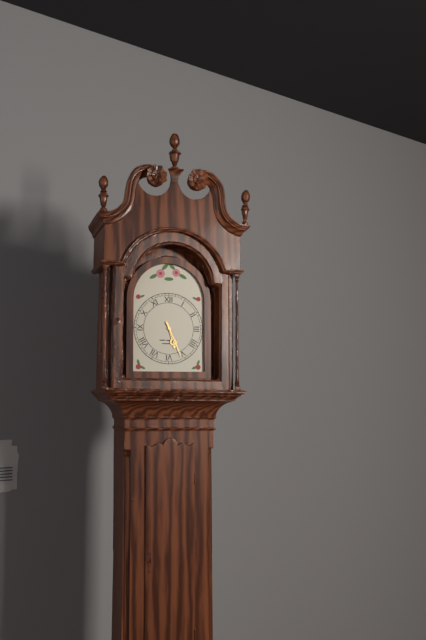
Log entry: h=5 m=26
